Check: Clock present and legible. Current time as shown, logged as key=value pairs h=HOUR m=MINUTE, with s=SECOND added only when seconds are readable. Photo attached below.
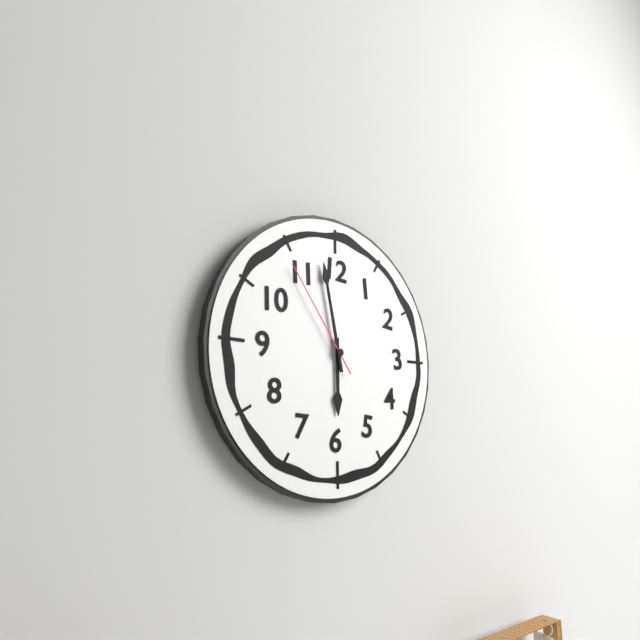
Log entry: h=5 m=58 s=54
